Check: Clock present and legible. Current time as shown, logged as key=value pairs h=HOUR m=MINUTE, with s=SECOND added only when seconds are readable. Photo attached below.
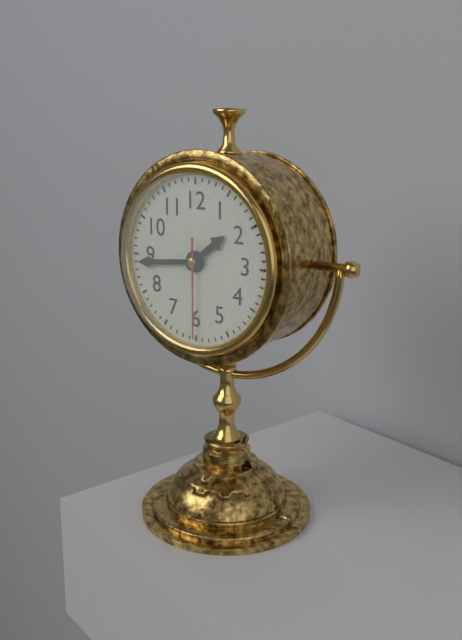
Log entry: h=1 m=44 s=30
